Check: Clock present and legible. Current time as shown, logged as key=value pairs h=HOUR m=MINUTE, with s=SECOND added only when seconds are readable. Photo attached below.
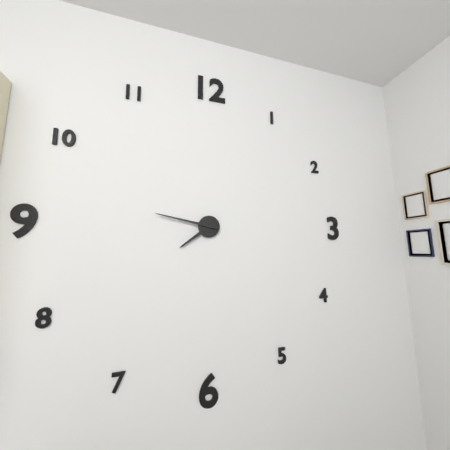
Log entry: h=7 m=47
